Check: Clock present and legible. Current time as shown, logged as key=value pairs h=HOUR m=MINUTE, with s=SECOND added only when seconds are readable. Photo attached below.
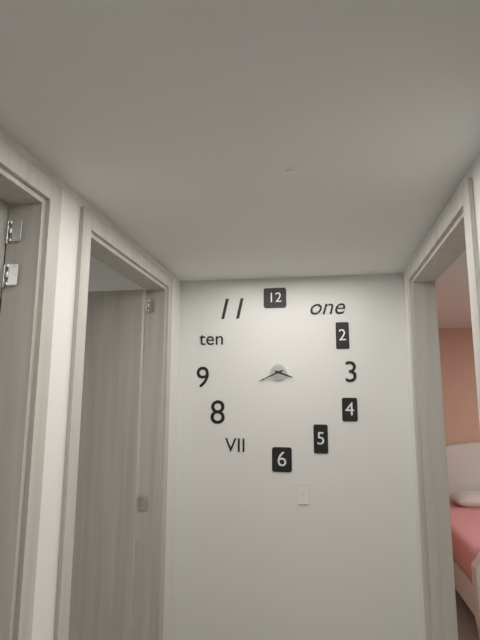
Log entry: h=3 m=41
